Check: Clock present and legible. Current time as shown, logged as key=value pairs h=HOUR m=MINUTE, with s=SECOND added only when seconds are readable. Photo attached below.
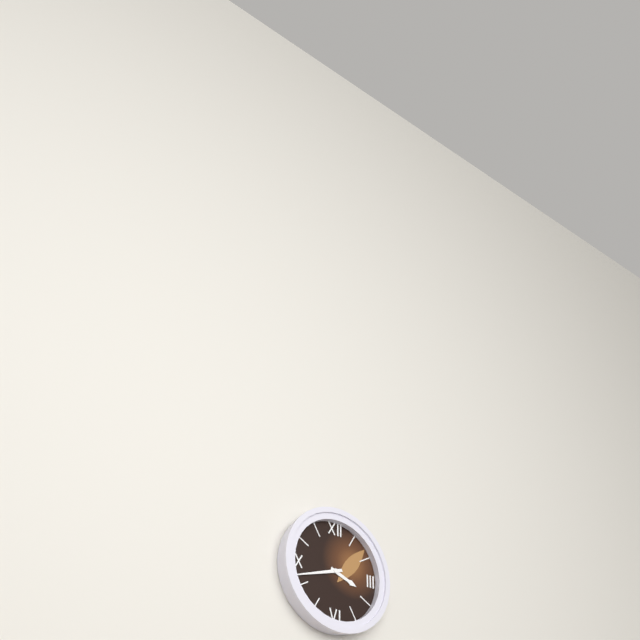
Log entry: h=3 m=42
